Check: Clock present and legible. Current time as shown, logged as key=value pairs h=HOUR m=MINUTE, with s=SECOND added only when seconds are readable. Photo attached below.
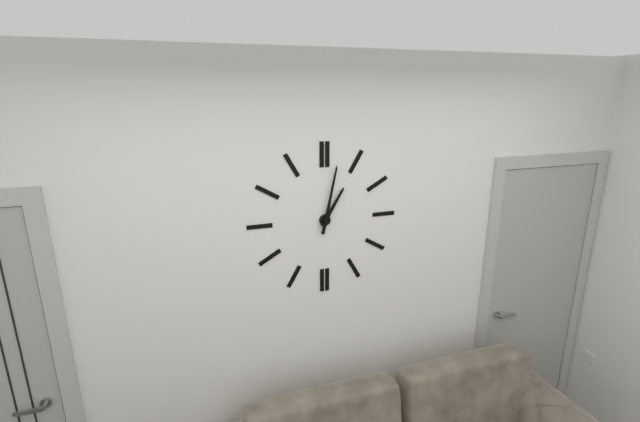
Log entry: h=1 m=2
